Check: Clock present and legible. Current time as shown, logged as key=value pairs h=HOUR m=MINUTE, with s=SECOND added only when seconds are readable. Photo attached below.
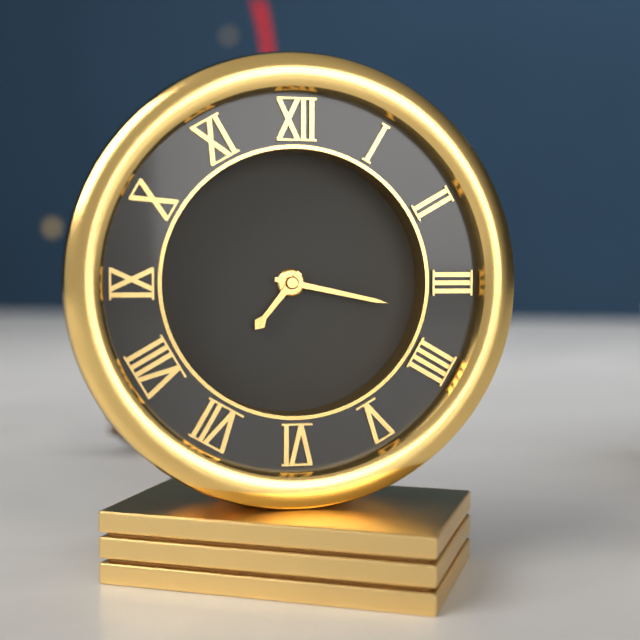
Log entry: h=7 m=17
